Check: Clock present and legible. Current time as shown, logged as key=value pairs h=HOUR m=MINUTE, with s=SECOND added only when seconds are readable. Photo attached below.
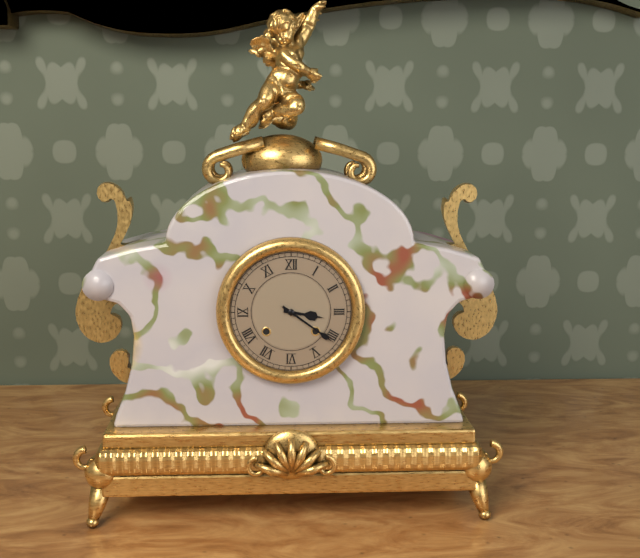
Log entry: h=3 m=21
